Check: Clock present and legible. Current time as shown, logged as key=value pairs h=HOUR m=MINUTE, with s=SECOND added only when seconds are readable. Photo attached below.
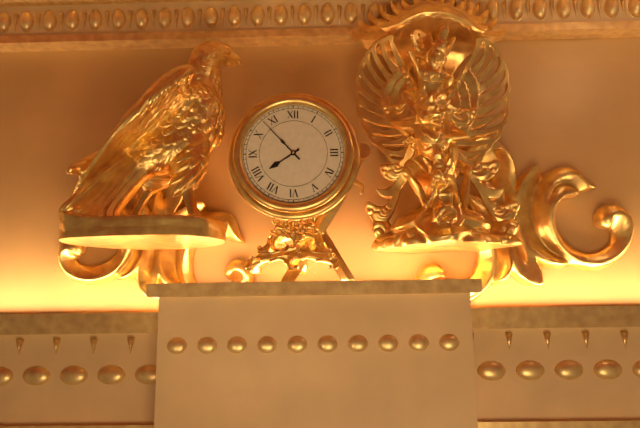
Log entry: h=7 m=53
